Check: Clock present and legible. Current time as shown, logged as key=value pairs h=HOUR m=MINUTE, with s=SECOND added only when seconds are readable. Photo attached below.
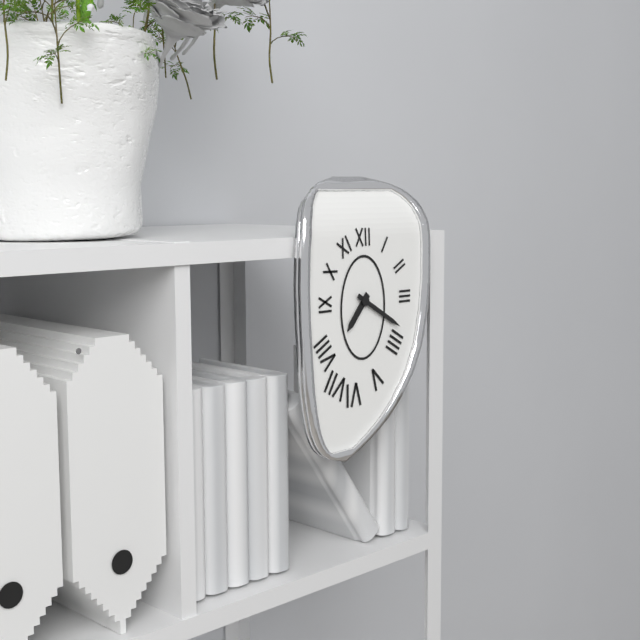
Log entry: h=7 m=20
